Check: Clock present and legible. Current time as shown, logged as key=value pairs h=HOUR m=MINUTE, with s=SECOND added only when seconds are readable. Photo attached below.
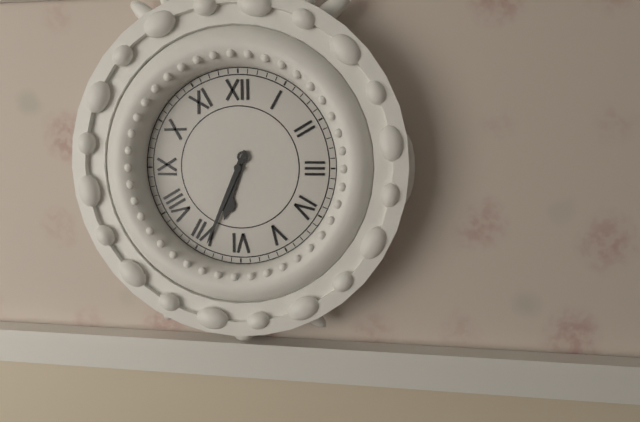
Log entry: h=6 m=34
